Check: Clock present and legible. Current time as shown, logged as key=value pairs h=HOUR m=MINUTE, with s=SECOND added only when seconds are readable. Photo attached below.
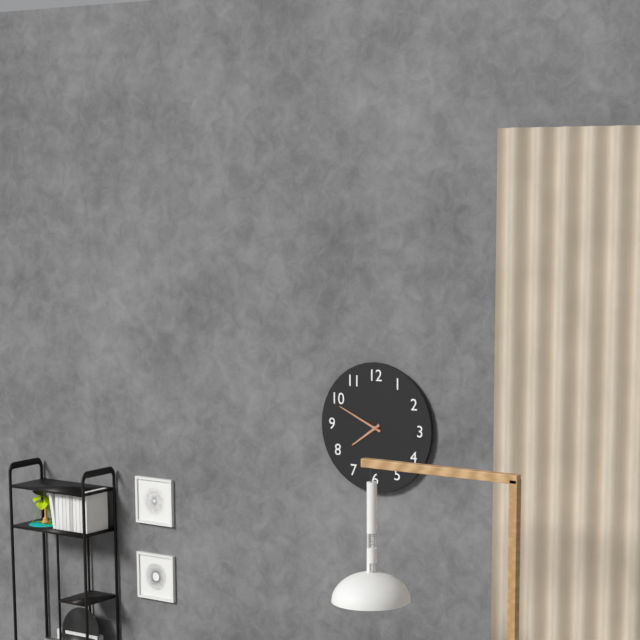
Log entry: h=7 m=49
